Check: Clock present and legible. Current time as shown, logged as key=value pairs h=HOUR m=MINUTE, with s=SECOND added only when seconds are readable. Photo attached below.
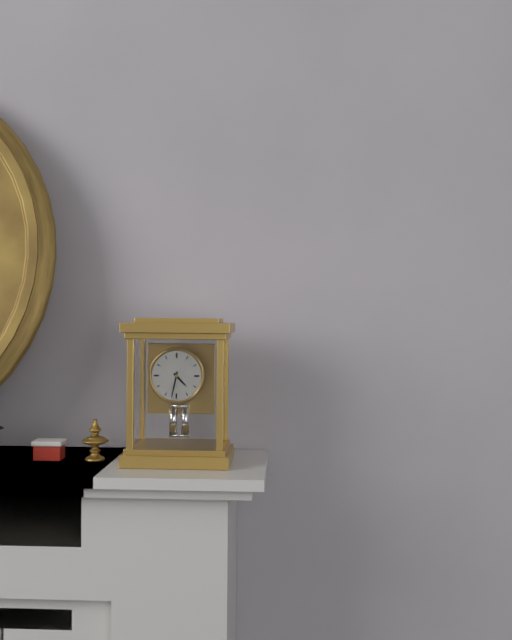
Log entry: h=4 m=32
